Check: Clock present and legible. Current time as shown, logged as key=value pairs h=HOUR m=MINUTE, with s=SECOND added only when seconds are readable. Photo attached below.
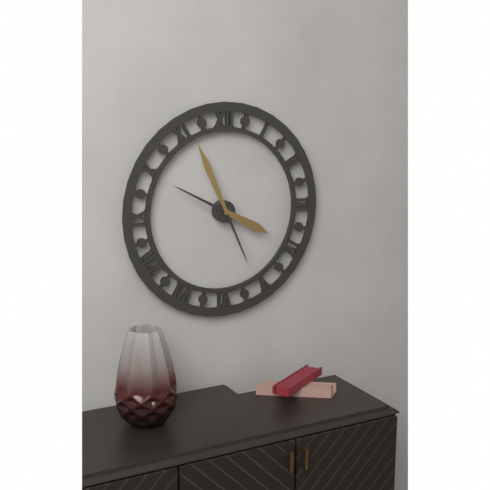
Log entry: h=3 m=56
